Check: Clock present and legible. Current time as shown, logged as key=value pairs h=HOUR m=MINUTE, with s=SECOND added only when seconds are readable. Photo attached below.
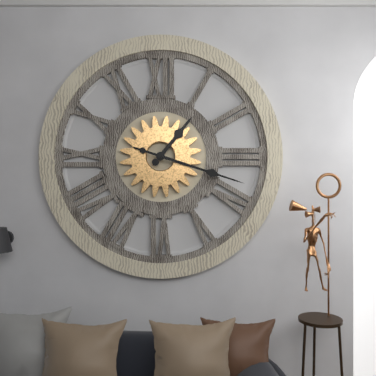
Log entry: h=1 m=18
